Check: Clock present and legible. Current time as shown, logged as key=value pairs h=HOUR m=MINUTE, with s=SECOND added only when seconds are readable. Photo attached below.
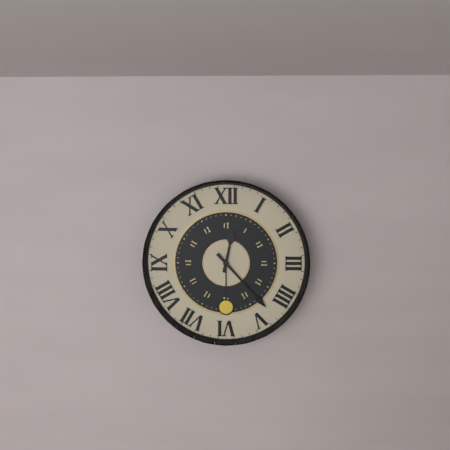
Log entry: h=12 m=23
